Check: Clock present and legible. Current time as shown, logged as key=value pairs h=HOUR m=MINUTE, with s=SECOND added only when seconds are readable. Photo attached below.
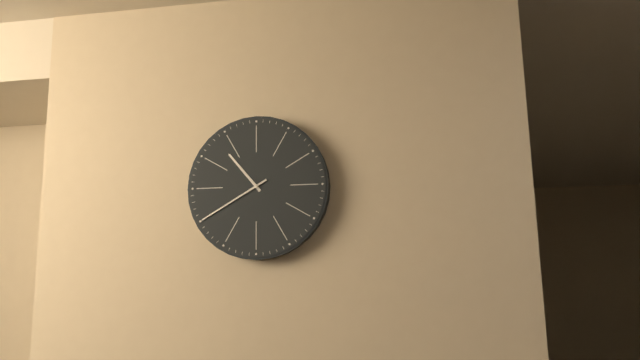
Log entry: h=10 m=40
